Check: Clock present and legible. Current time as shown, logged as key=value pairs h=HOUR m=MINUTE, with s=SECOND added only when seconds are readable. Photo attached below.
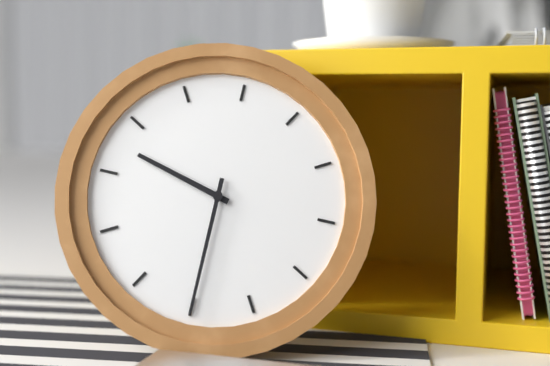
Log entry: h=9 m=30
